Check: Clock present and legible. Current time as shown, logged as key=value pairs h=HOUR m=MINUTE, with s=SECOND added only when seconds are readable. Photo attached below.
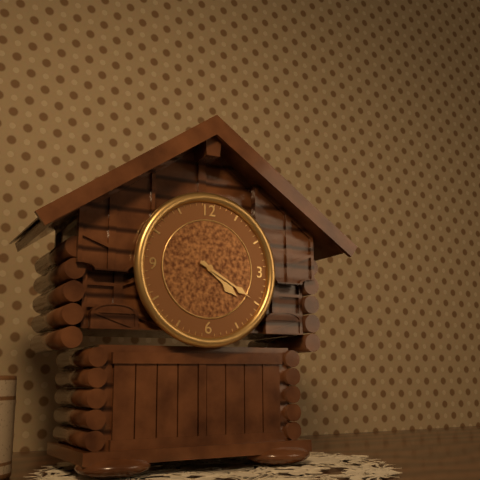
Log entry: h=4 m=20
